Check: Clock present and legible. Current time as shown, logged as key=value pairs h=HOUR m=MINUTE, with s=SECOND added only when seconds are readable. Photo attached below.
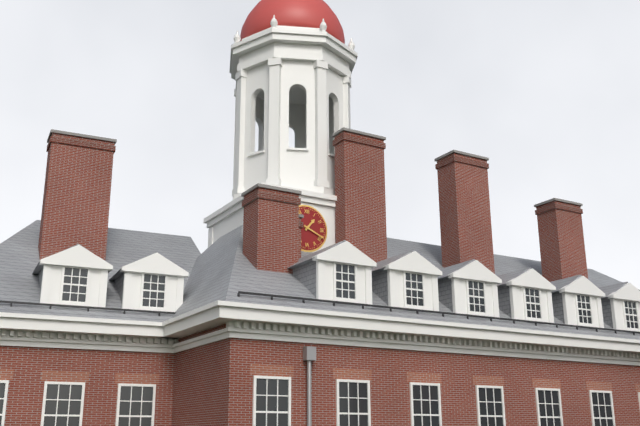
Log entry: h=1 m=19
